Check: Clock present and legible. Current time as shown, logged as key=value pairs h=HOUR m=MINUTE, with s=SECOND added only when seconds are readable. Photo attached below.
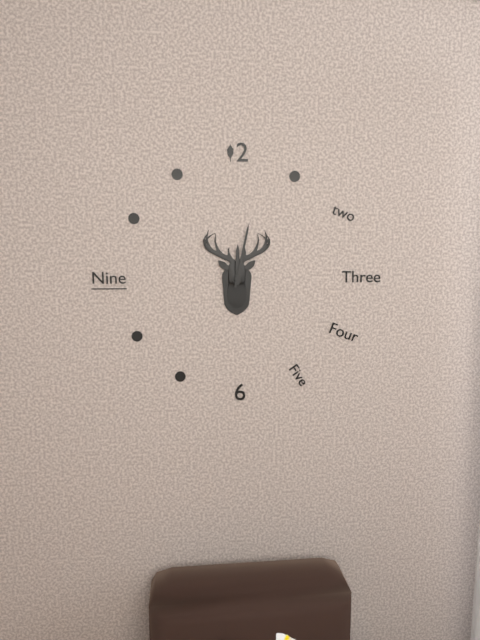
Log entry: h=12 m=2
